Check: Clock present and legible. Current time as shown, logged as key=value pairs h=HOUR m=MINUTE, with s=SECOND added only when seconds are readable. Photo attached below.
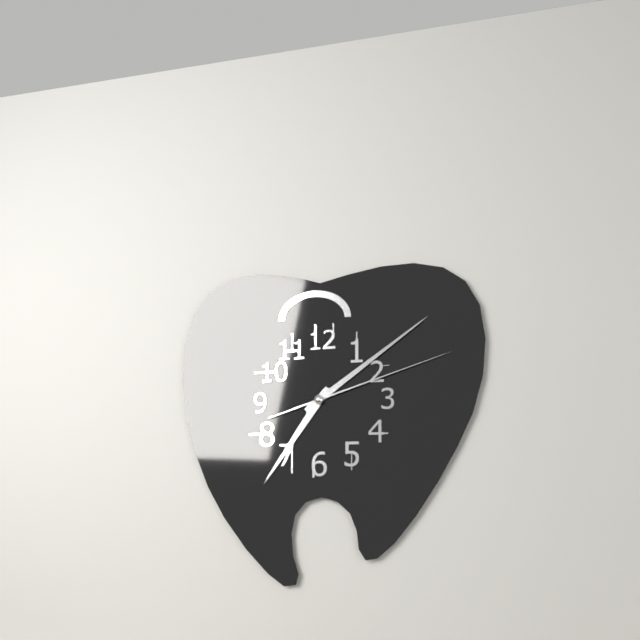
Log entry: h=7 m=9 s=12
